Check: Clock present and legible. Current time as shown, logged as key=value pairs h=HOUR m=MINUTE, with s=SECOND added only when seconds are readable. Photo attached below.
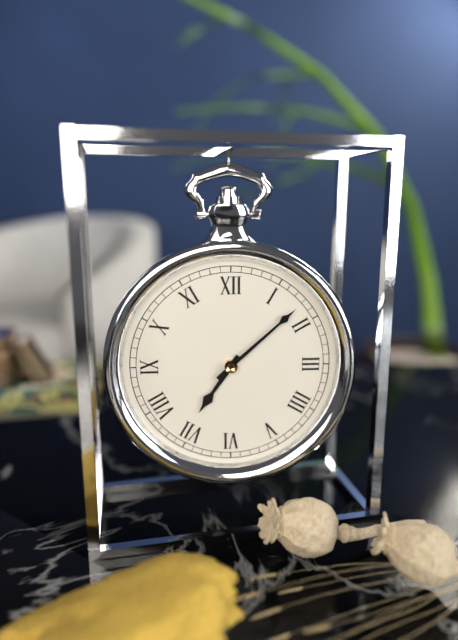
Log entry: h=7 m=8
